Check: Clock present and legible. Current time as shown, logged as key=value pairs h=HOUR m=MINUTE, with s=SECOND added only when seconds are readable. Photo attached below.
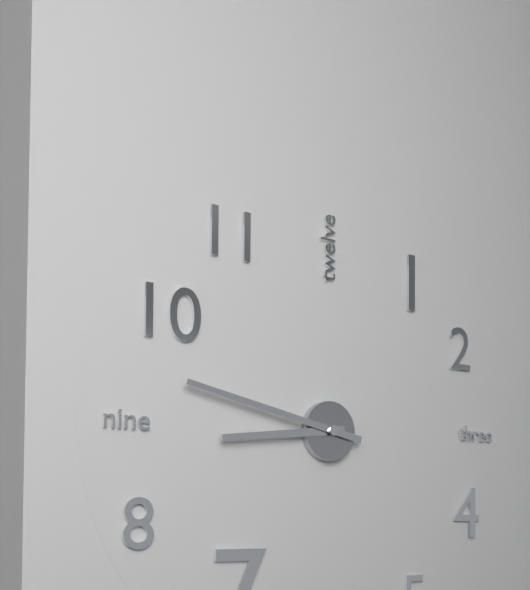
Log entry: h=8 m=47
